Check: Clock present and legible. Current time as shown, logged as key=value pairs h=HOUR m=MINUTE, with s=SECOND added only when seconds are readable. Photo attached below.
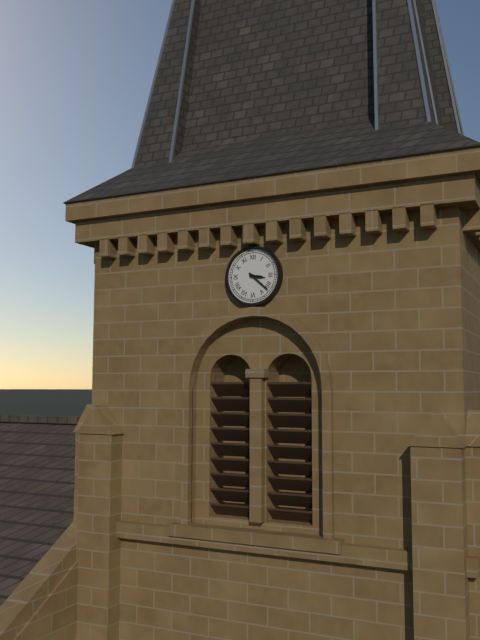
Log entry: h=3 m=22
